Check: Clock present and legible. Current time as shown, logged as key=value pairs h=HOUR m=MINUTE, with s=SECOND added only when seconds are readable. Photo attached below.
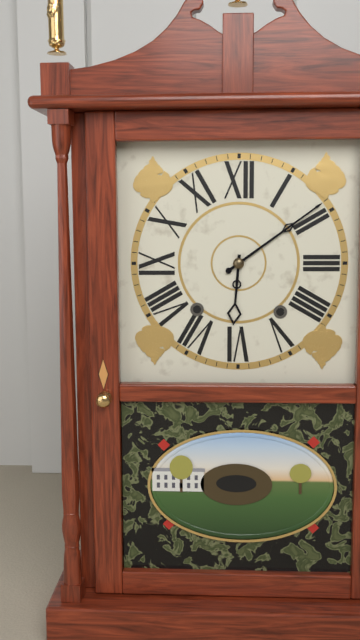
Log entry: h=6 m=9
